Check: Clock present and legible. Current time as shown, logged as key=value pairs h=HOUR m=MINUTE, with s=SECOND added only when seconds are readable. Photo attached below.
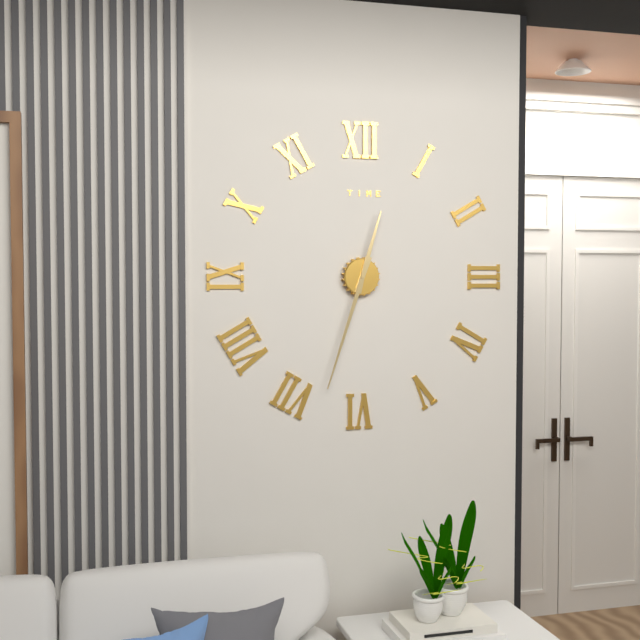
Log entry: h=12 m=33
